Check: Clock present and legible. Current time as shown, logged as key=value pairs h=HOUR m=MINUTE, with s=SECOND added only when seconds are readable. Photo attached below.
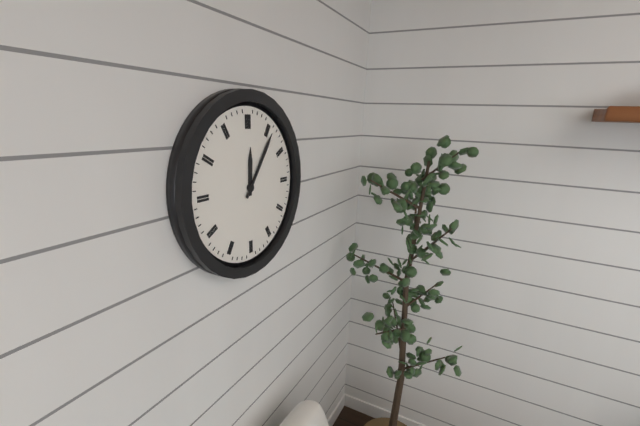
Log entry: h=12 m=6
